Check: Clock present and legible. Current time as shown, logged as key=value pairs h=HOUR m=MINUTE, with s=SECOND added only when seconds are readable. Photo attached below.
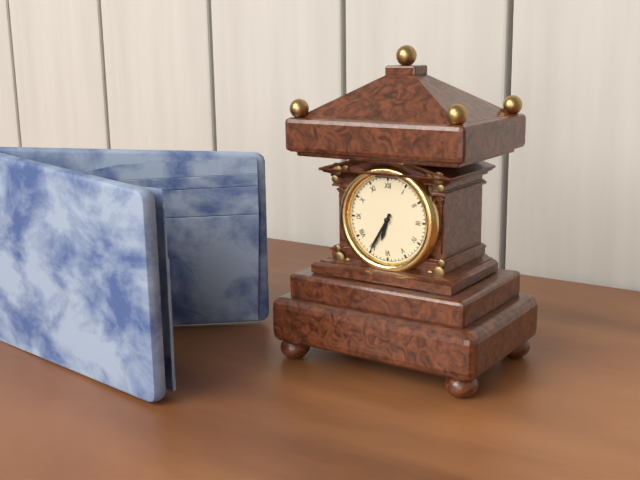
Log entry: h=6 m=35
